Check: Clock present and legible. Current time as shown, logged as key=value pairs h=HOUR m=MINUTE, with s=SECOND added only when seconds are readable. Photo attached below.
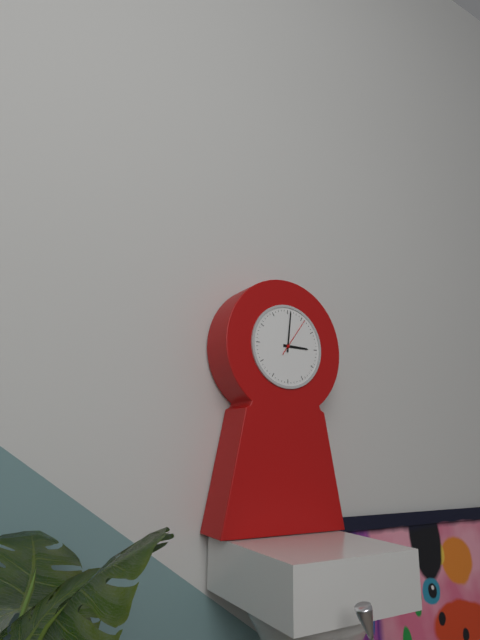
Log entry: h=3 m=1
